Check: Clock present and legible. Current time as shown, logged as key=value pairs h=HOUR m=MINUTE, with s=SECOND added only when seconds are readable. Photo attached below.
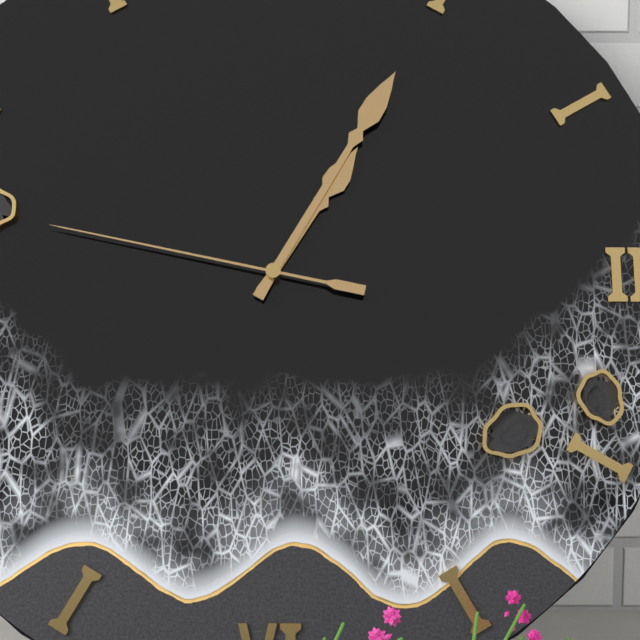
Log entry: h=1 m=5 s=47
